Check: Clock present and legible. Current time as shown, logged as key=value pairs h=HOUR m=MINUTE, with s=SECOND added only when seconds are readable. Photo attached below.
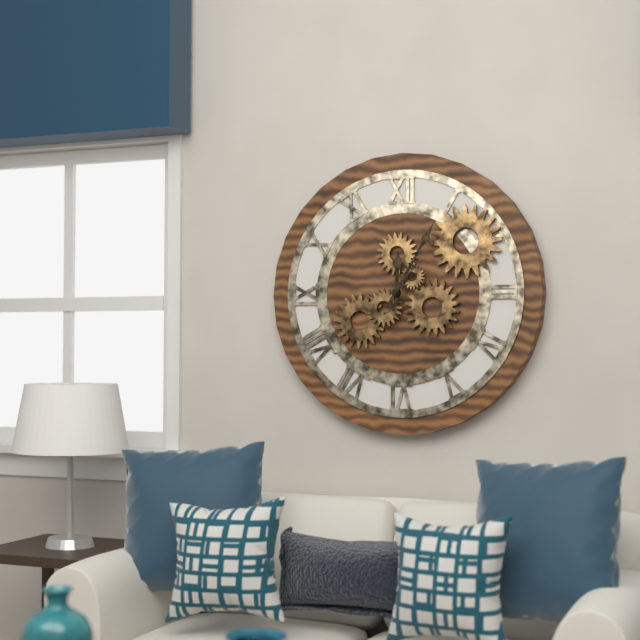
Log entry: h=12 m=5
